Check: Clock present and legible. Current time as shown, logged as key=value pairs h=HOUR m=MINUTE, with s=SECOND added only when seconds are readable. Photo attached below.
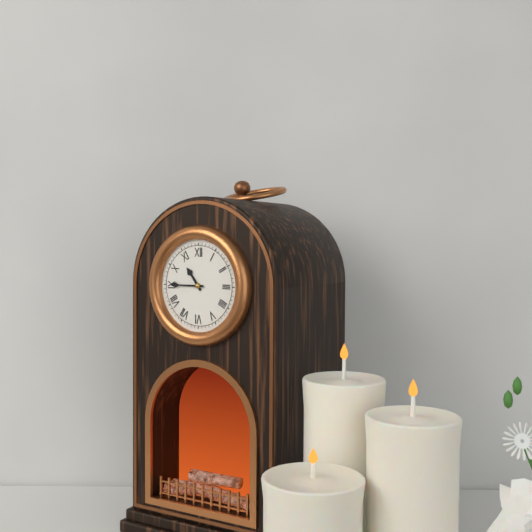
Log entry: h=10 m=45
